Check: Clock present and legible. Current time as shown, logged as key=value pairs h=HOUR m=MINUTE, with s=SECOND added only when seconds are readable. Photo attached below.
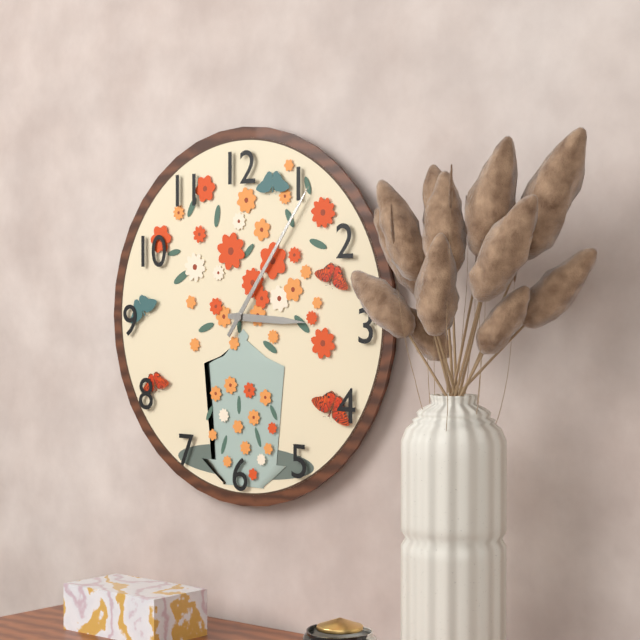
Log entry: h=3 m=6
